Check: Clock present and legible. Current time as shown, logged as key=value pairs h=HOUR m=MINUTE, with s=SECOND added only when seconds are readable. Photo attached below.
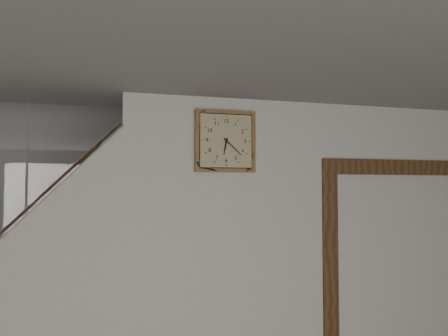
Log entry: h=6 m=22
